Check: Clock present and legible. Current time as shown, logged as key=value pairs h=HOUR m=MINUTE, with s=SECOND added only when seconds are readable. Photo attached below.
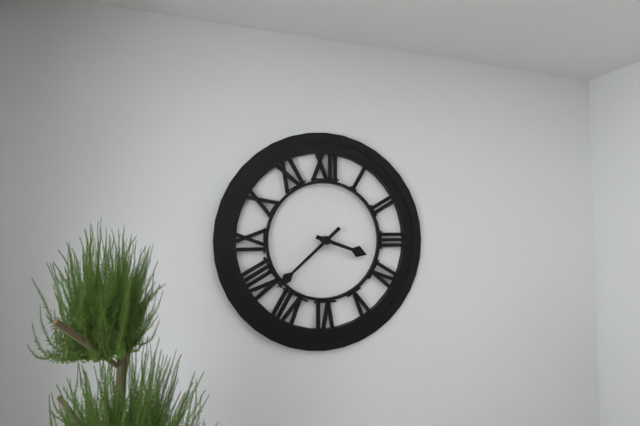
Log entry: h=3 m=38
